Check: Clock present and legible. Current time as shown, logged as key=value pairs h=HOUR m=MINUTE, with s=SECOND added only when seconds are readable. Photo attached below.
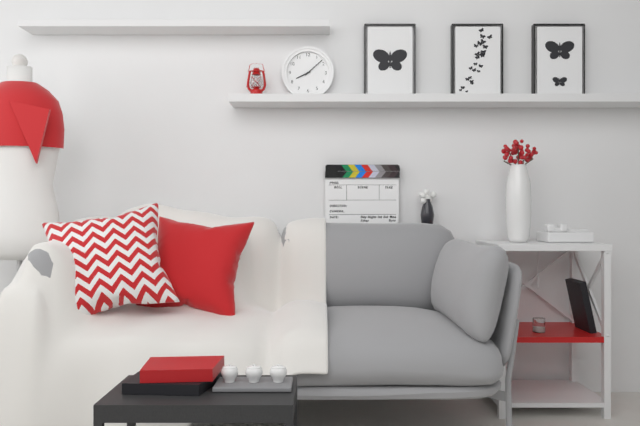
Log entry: h=8 m=8
